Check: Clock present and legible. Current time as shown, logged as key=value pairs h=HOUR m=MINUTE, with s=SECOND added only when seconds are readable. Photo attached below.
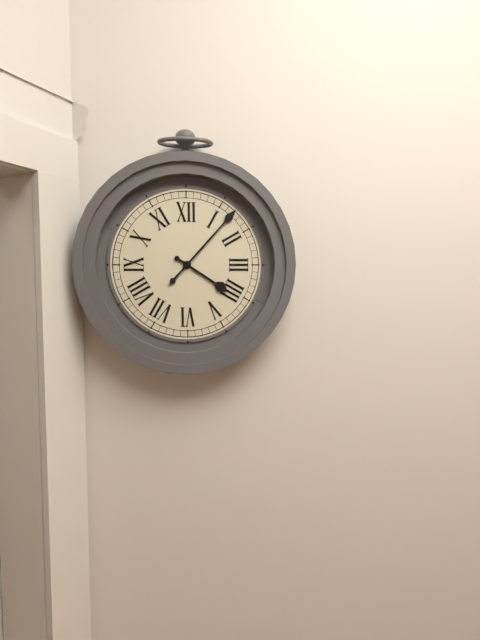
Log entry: h=4 m=7
